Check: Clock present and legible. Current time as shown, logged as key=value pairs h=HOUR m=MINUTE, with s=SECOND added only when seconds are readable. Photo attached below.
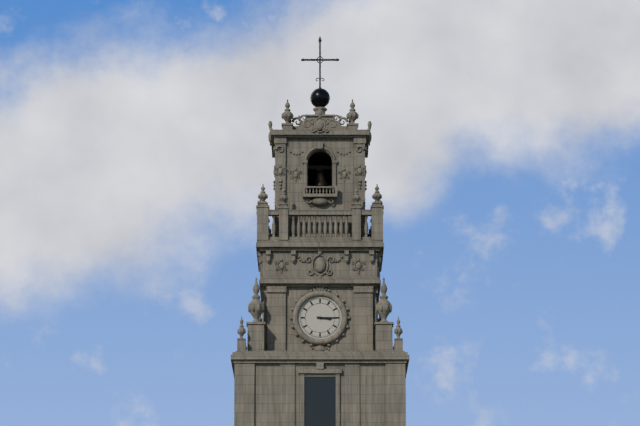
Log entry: h=3 m=15
